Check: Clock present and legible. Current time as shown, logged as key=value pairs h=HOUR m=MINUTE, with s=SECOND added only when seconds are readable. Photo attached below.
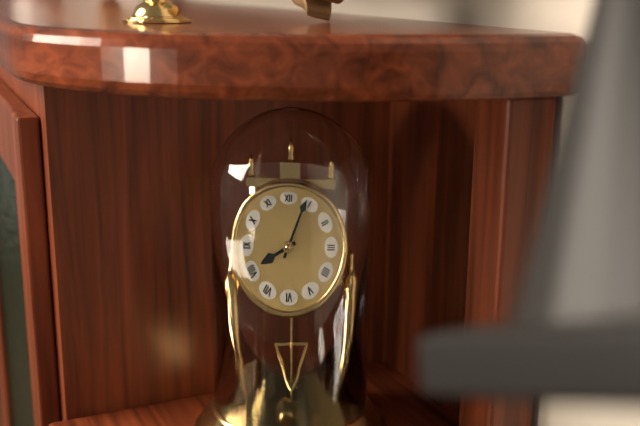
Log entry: h=8 m=4
